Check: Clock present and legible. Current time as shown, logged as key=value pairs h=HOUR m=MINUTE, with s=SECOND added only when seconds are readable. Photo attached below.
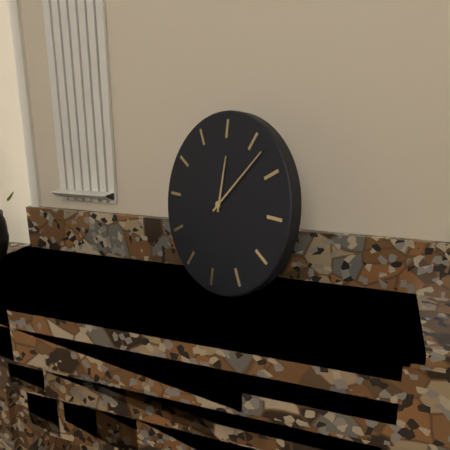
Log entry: h=12 m=7
